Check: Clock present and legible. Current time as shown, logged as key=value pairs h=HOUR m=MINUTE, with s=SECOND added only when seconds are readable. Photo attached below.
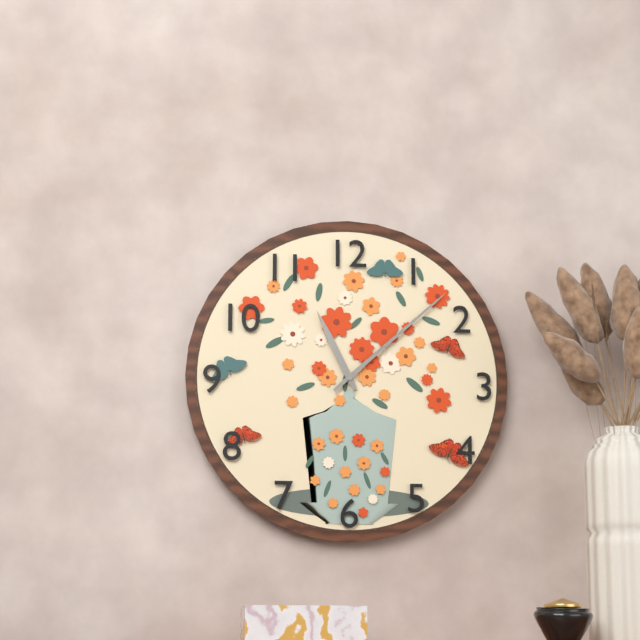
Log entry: h=11 m=8
